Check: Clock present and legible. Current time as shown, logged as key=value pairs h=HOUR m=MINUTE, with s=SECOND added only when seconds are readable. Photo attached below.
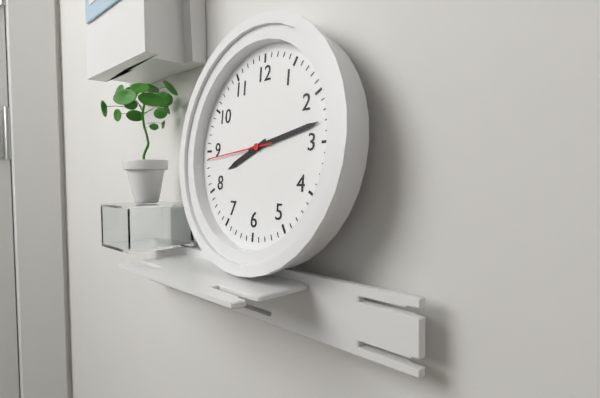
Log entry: h=8 m=13 s=44
